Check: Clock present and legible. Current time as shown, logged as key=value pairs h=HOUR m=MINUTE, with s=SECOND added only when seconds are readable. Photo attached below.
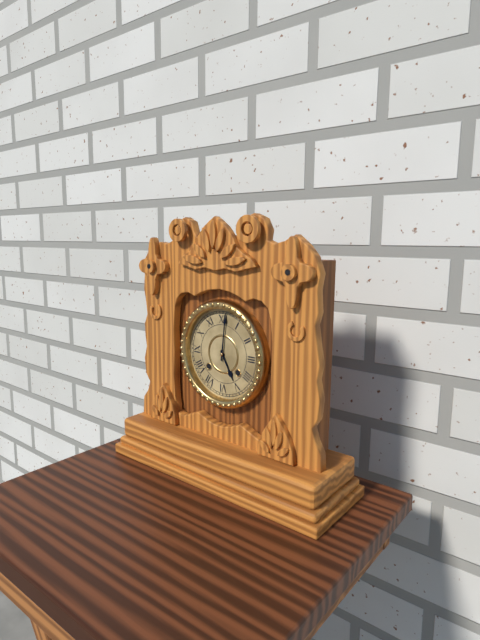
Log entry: h=5 m=1
